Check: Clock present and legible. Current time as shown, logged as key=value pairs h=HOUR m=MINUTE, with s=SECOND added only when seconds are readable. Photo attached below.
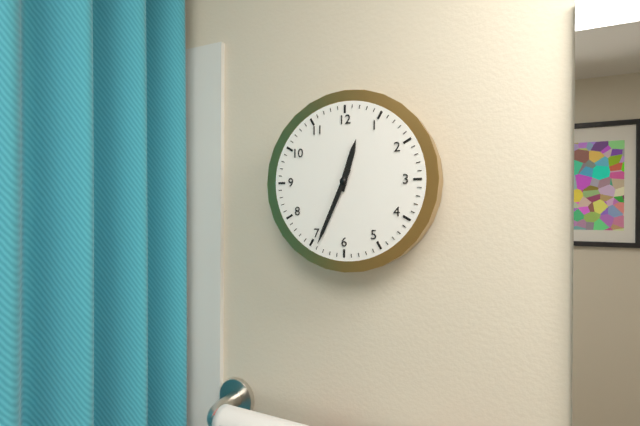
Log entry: h=12 m=34
